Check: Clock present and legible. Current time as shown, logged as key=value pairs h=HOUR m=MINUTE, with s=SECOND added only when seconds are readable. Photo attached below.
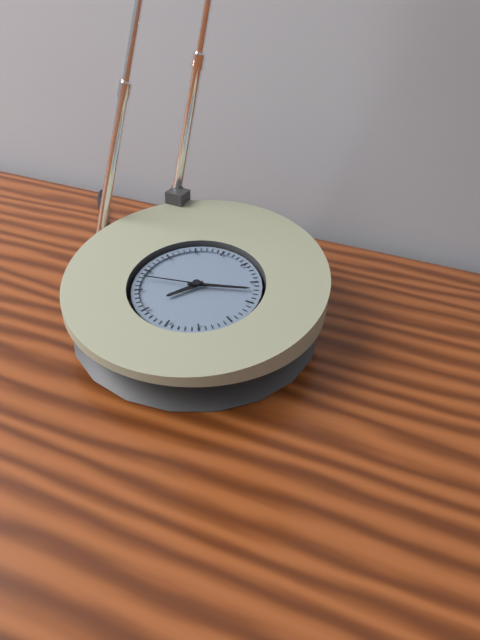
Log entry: h=7 m=12 s=43
